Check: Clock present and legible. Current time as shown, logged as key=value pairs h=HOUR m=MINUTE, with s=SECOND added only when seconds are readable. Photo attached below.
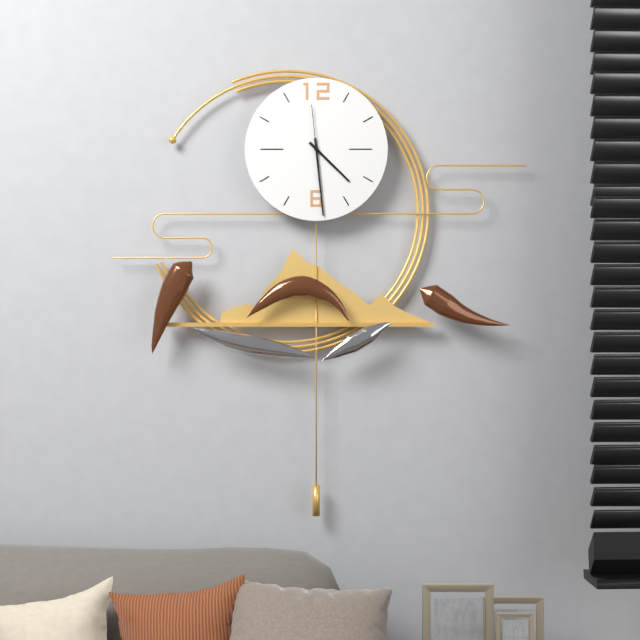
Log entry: h=4 m=29 s=59
